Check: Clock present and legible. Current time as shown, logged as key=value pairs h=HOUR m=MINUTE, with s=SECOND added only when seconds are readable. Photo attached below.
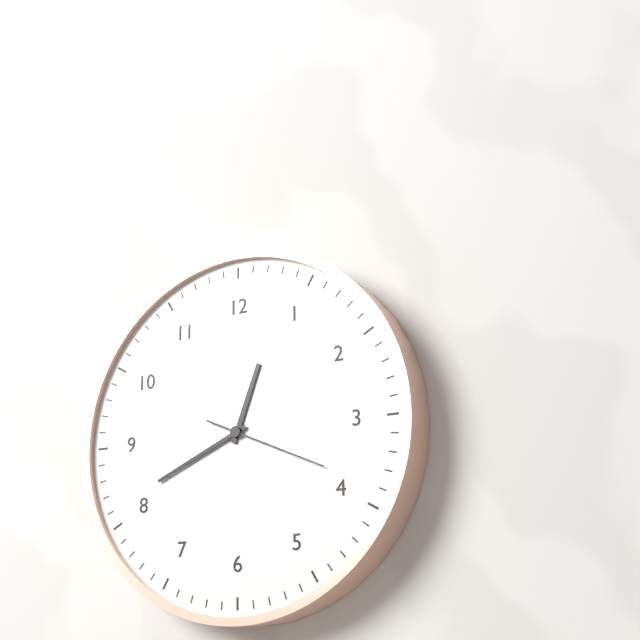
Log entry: h=12 m=41 s=19
